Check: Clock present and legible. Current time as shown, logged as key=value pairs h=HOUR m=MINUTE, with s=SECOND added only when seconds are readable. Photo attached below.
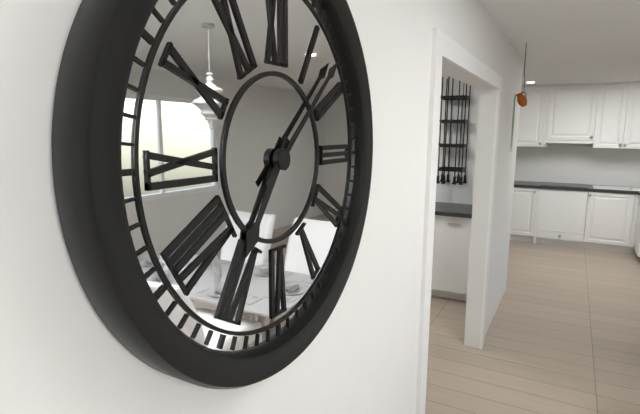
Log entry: h=7 m=8
